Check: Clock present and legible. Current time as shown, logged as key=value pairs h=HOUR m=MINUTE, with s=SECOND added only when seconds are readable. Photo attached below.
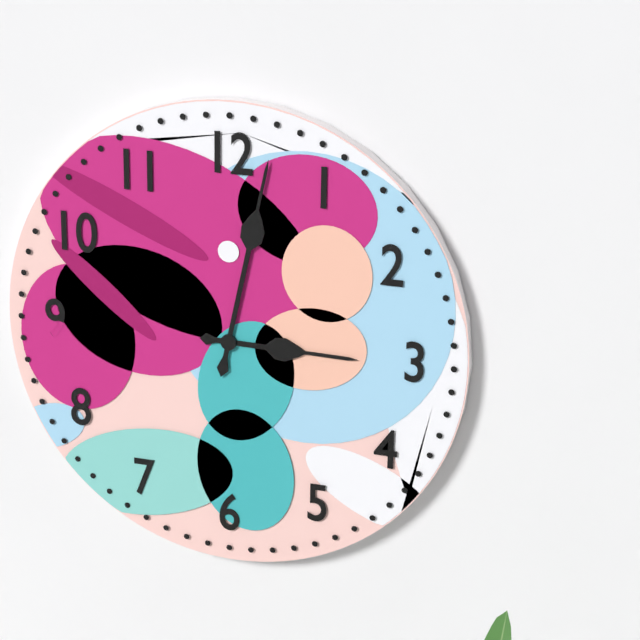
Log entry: h=3 m=2
